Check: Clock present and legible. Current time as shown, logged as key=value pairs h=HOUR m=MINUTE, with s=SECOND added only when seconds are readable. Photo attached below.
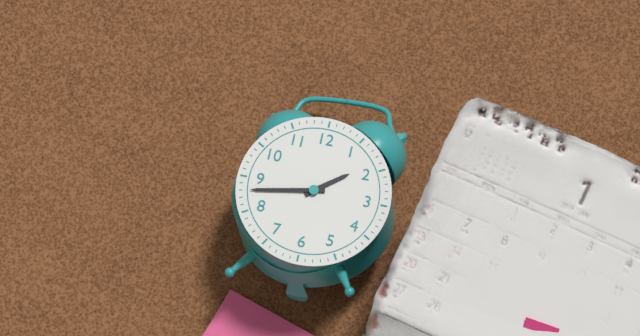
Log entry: h=1 m=43
